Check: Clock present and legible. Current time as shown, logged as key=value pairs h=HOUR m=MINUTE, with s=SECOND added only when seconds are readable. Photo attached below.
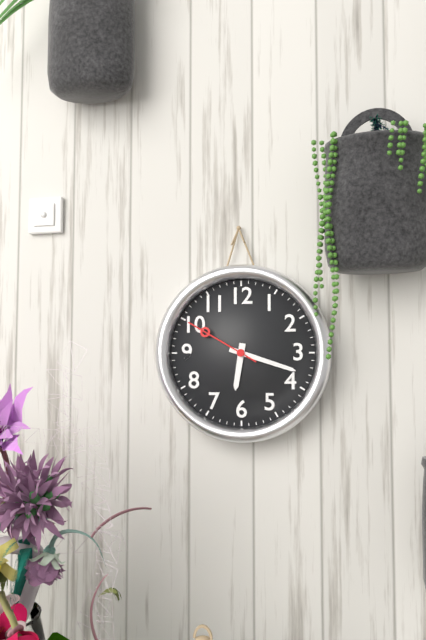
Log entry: h=6 m=18 s=50
